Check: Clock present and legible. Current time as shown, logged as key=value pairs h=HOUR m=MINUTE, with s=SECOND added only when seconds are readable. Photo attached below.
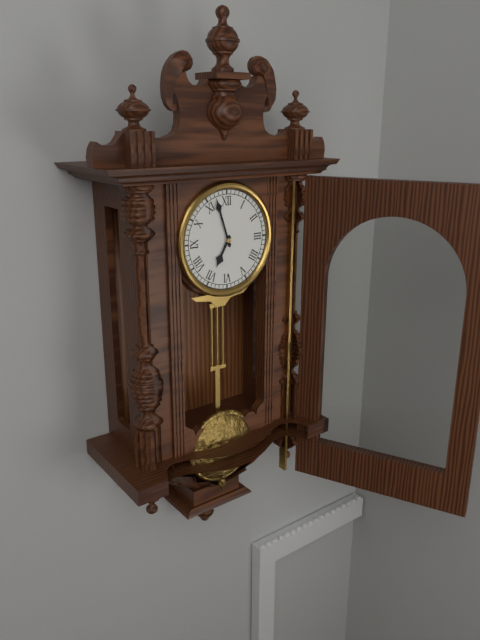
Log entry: h=6 m=57
